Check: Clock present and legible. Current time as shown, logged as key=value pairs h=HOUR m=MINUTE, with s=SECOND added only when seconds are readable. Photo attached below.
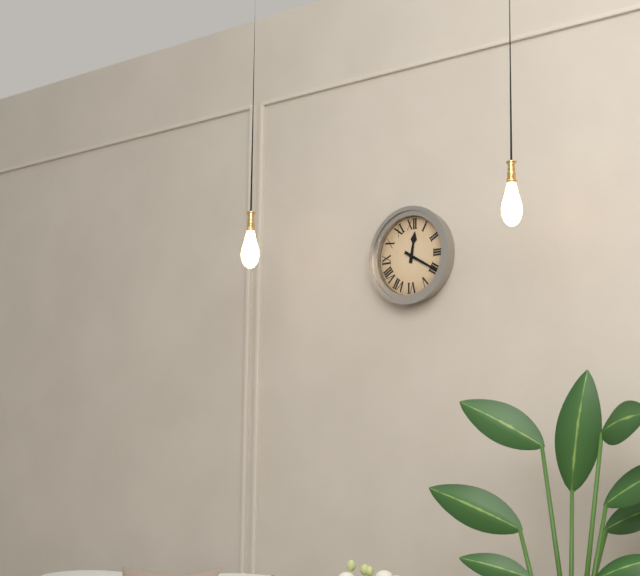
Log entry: h=12 m=20
